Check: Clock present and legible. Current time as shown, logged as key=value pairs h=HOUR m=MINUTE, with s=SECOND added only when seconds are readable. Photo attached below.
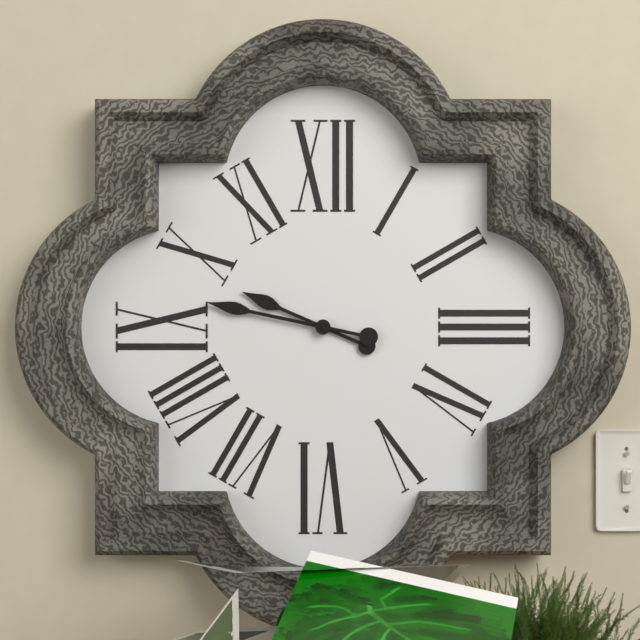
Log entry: h=9 m=47
